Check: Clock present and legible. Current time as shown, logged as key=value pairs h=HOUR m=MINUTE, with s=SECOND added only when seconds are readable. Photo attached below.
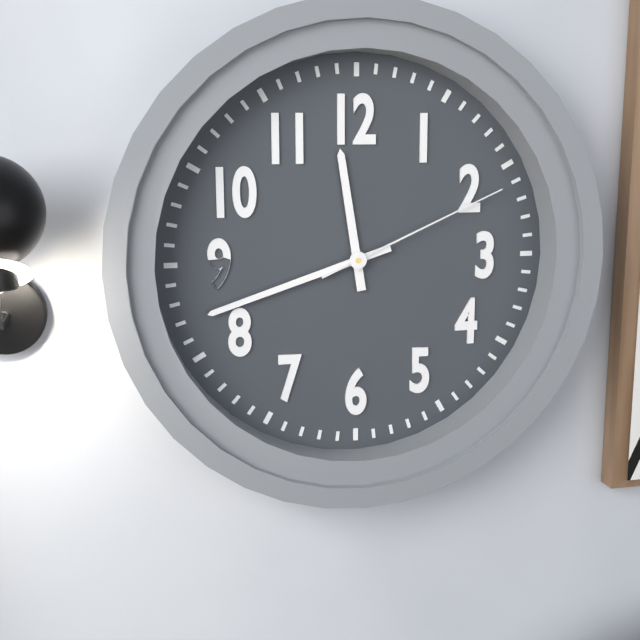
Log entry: h=11 m=42 s=11
